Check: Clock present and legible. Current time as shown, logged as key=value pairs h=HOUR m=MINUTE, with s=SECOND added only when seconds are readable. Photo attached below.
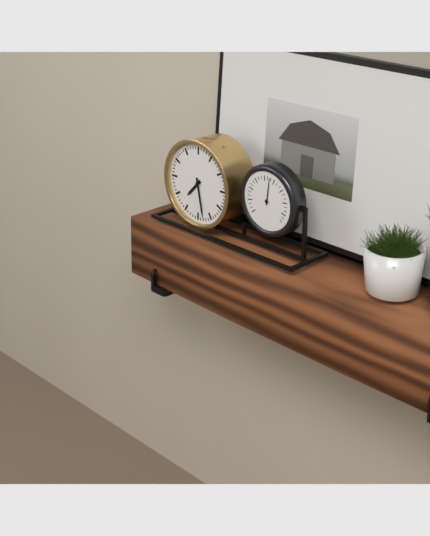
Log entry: h=7 m=28
